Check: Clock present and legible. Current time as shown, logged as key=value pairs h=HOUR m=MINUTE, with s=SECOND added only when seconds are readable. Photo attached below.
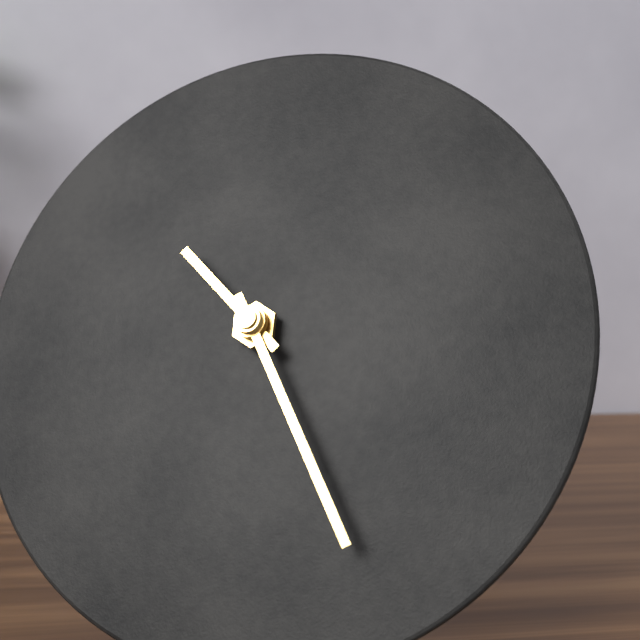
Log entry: h=10 m=25
